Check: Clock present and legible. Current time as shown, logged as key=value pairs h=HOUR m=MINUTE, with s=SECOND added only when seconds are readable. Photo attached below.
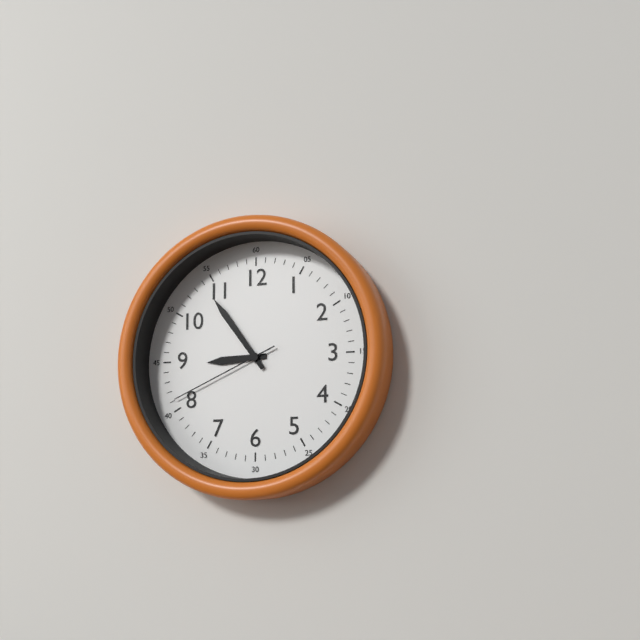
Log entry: h=8 m=54 s=41
